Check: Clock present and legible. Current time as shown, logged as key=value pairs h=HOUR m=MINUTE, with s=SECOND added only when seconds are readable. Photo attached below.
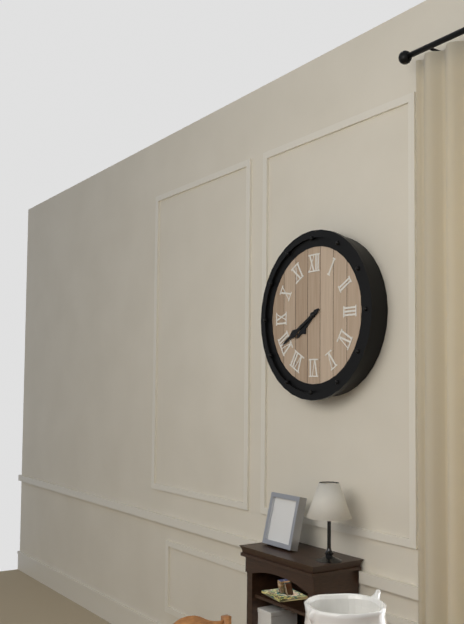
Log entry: h=7 m=40
